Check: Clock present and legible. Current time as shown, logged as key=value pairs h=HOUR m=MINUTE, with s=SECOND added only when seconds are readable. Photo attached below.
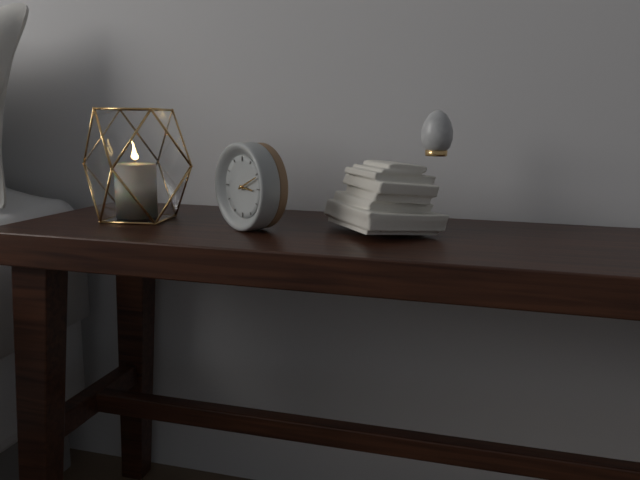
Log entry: h=3 m=11
